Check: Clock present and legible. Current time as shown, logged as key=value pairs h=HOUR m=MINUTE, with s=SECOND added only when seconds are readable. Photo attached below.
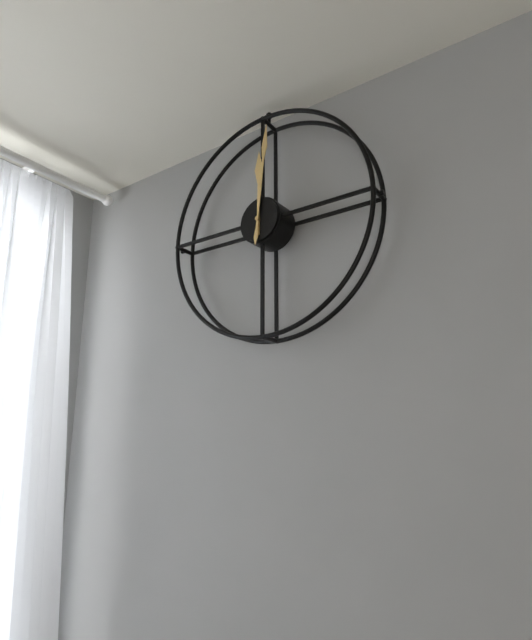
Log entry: h=12 m=1
